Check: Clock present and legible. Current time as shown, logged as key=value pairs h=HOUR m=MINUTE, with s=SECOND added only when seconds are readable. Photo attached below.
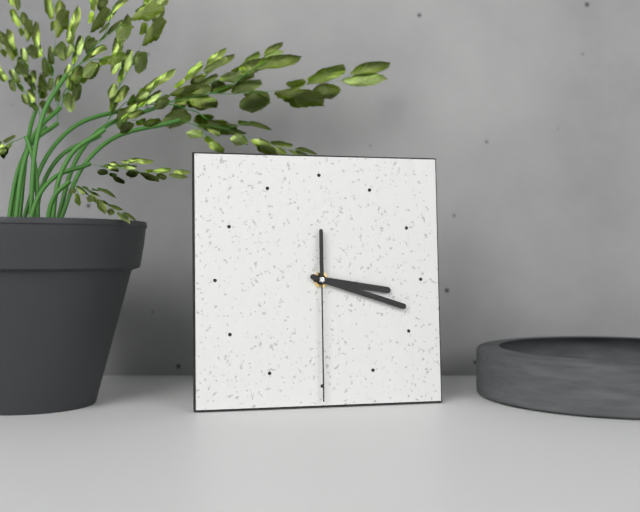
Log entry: h=3 m=18 s=30
